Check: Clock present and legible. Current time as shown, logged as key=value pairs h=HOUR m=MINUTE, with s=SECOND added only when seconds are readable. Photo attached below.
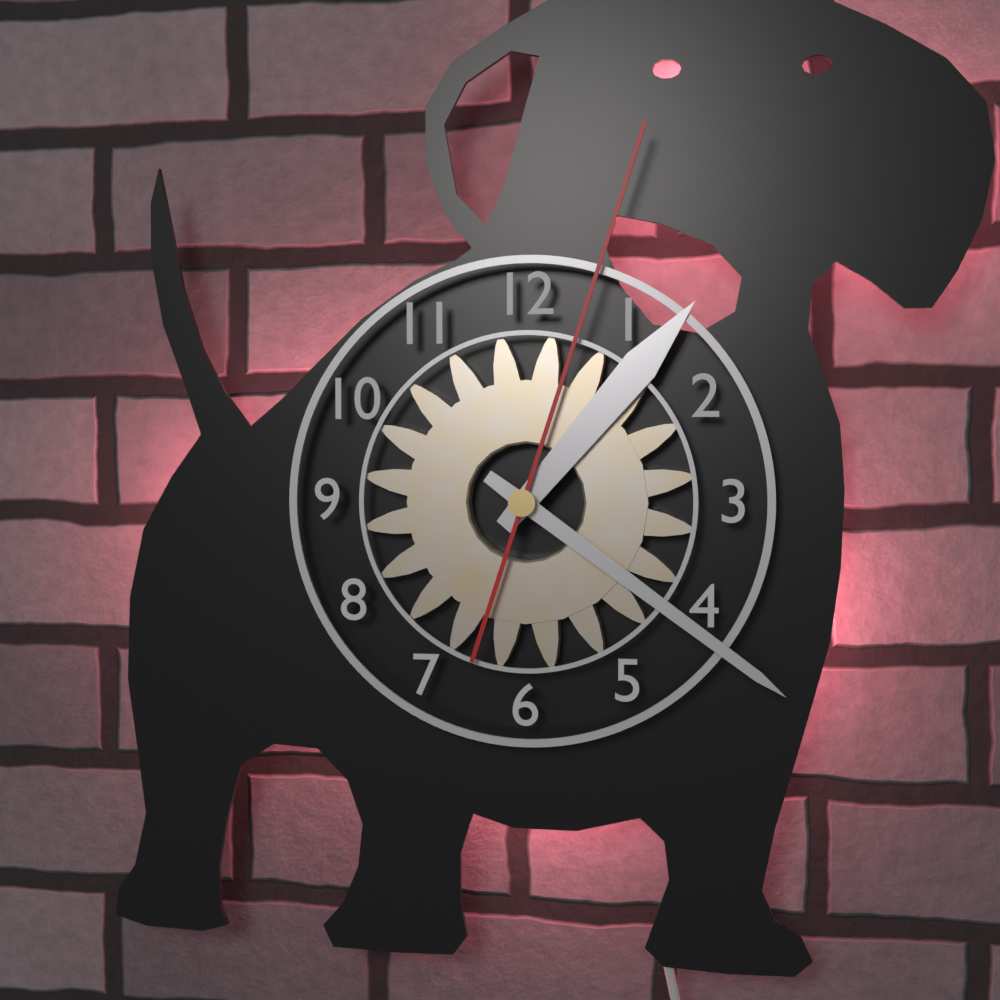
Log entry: h=1 m=21 s=3
